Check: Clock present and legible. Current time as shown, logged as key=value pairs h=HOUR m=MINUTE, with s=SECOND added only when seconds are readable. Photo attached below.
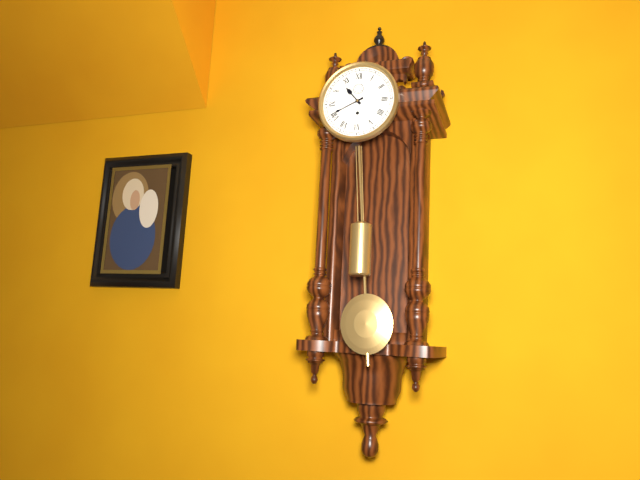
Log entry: h=10 m=41
